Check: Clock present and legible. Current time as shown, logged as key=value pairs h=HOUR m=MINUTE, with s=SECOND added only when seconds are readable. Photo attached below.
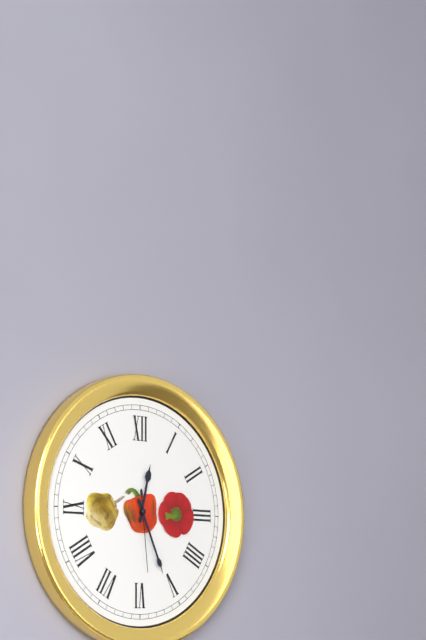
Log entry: h=12 m=26 s=29
